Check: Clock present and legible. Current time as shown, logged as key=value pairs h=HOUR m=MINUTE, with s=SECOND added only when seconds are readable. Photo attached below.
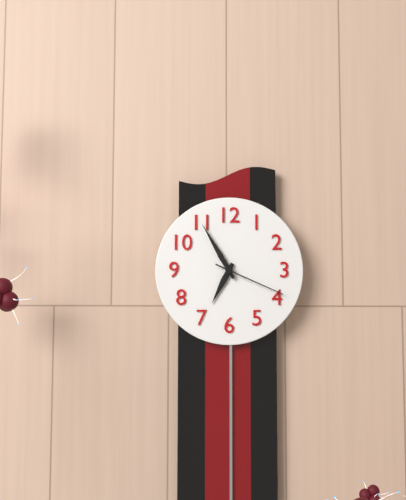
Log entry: h=6 m=55 s=19
